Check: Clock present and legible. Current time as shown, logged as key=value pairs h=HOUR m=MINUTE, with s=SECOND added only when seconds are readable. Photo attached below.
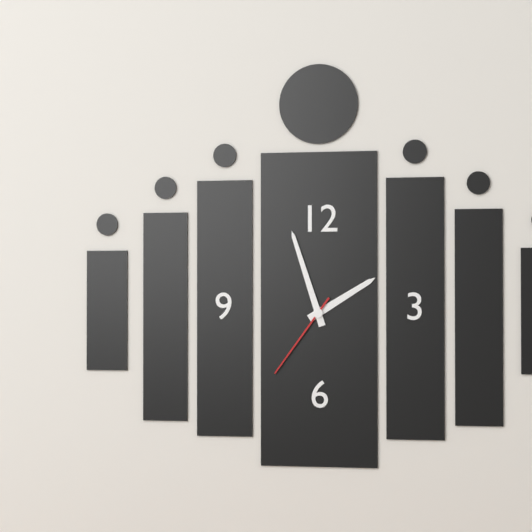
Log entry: h=1 m=57 s=36
